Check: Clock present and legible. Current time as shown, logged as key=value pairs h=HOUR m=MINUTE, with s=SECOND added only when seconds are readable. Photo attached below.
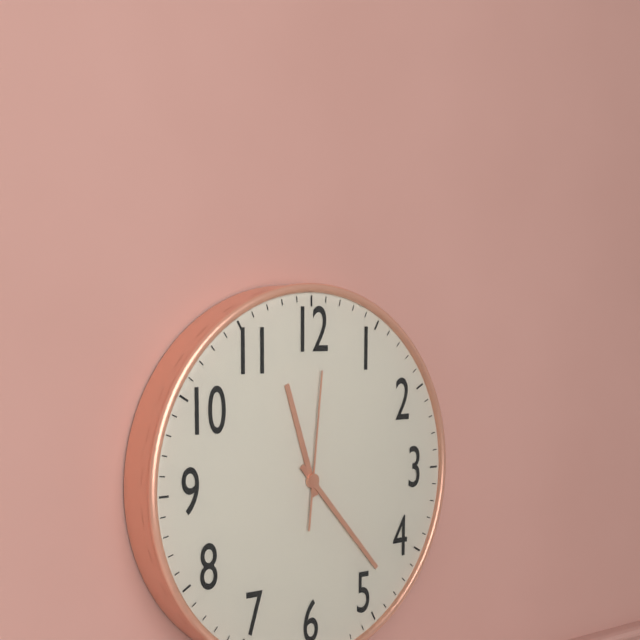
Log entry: h=11 m=23 s=1
